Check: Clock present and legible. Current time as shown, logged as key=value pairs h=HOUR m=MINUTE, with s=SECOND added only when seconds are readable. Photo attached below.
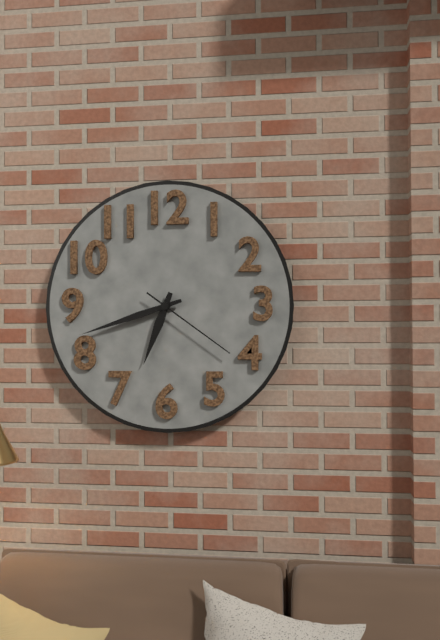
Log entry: h=6 m=42 s=21
